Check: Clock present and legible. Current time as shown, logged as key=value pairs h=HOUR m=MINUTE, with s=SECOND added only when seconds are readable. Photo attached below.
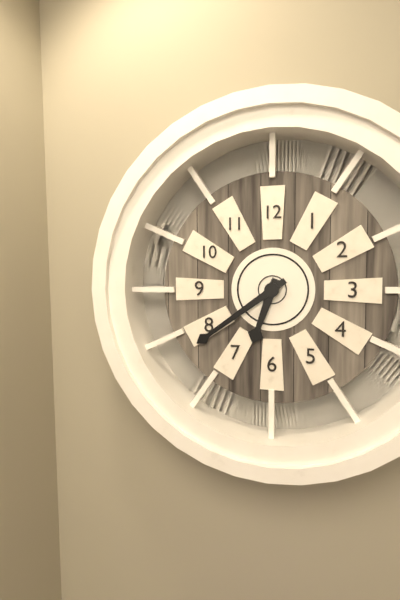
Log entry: h=6 m=39
